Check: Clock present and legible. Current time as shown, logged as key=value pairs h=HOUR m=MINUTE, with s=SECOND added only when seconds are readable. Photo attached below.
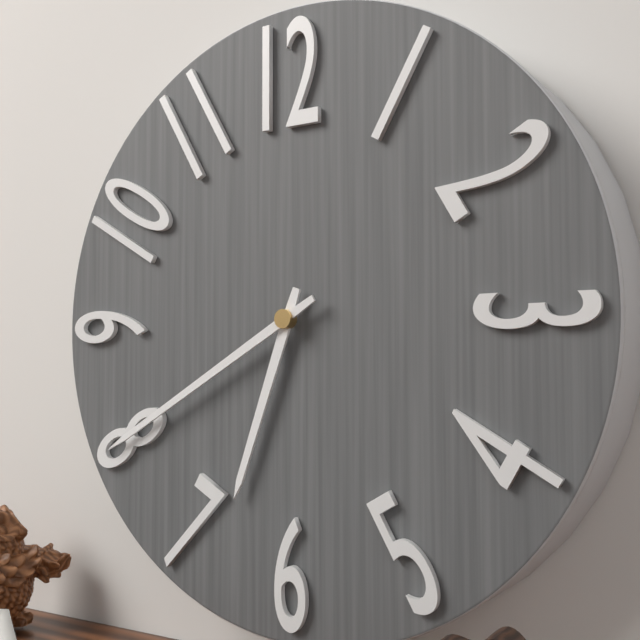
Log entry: h=6 m=40
